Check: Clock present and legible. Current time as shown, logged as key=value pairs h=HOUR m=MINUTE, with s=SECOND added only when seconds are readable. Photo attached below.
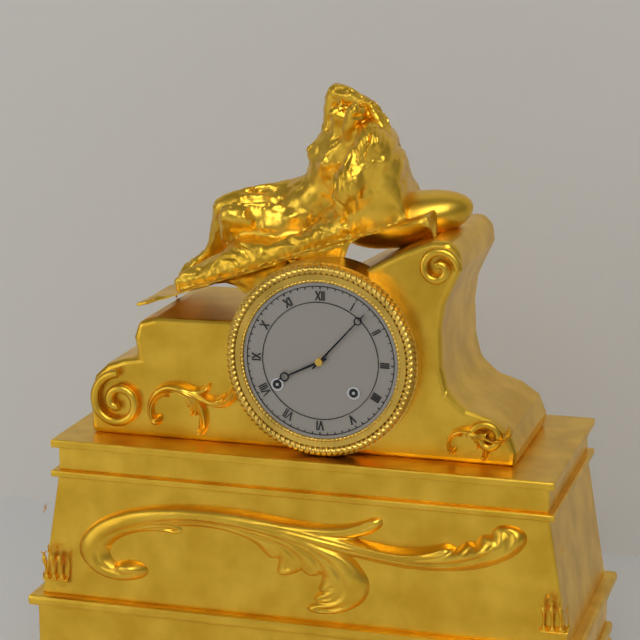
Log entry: h=8 m=7
